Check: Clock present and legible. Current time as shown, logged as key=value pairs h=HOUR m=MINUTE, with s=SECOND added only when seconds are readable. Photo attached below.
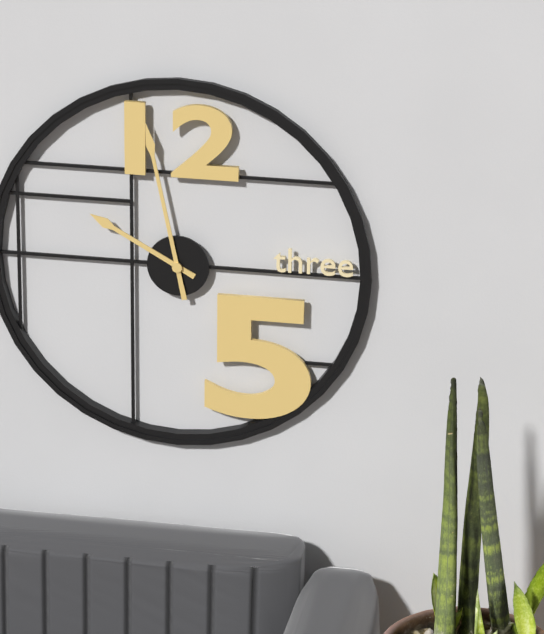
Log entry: h=9 m=58
